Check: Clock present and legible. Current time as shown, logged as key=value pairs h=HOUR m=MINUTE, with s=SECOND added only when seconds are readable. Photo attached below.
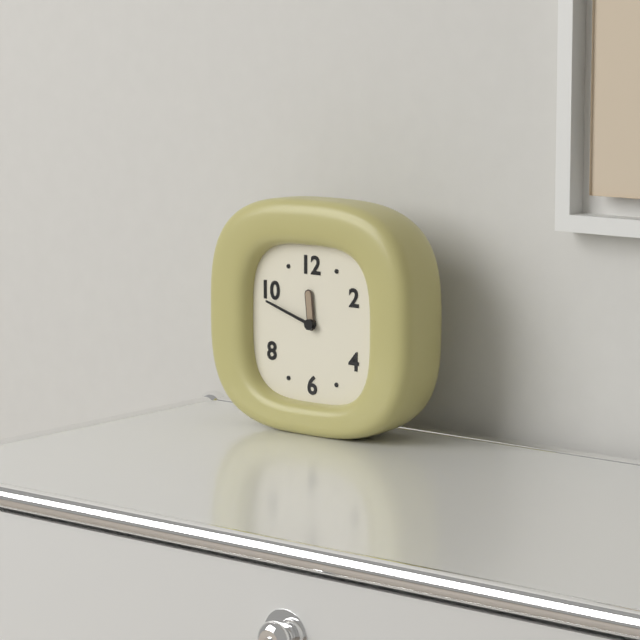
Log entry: h=11 m=48
